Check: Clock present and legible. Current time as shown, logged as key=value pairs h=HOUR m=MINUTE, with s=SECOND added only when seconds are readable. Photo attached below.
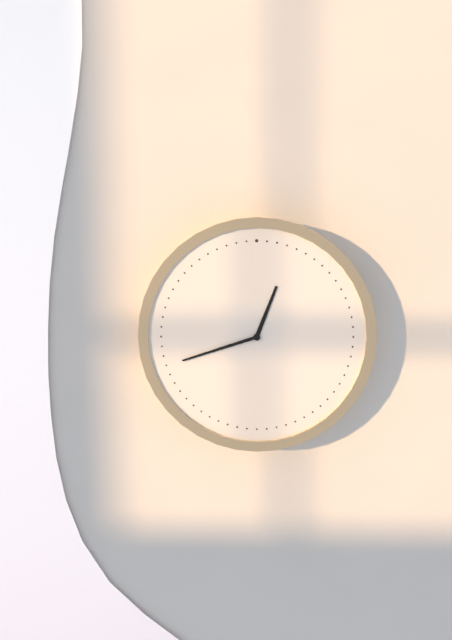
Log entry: h=12 m=42
